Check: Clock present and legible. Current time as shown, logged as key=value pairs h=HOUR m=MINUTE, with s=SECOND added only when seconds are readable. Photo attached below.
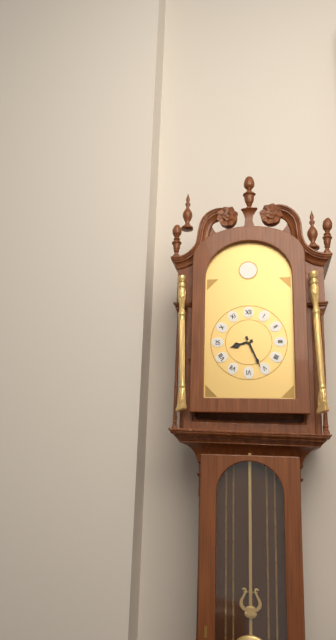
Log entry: h=8 m=26
